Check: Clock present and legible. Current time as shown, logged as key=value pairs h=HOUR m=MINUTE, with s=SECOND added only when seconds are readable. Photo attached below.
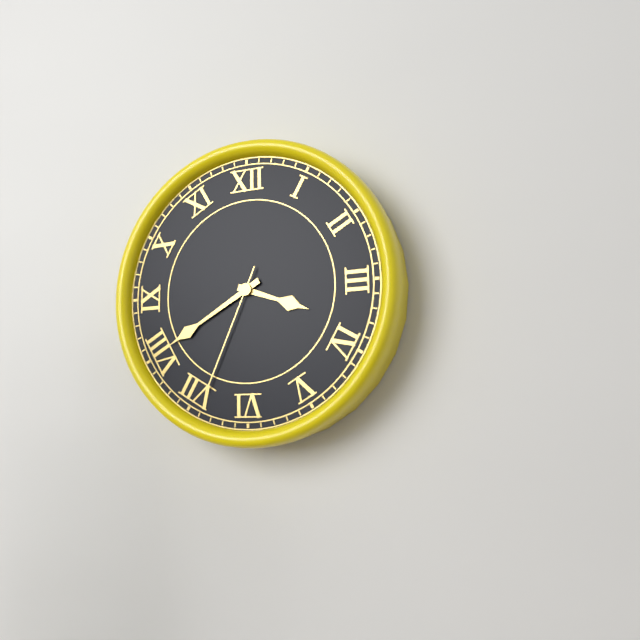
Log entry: h=3 m=40 s=34
